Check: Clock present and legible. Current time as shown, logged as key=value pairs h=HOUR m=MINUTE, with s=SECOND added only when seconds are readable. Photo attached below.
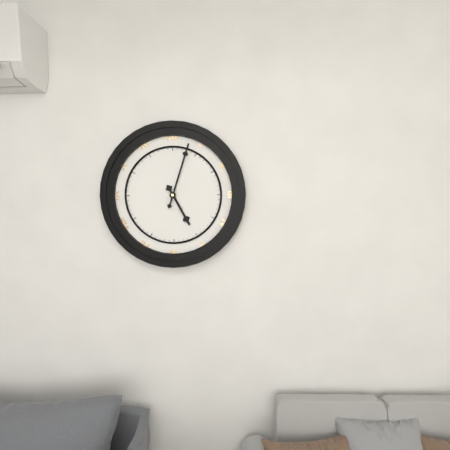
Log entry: h=5 m=3
